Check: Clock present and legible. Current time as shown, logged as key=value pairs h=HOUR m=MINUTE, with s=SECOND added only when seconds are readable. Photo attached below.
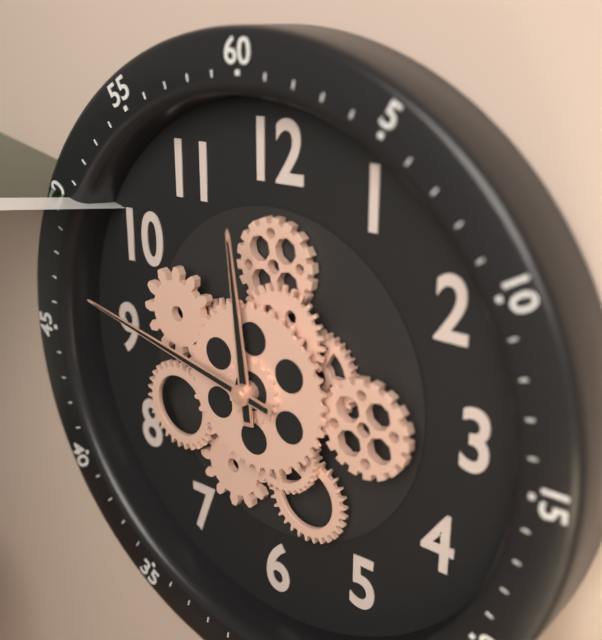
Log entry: h=11 m=47
